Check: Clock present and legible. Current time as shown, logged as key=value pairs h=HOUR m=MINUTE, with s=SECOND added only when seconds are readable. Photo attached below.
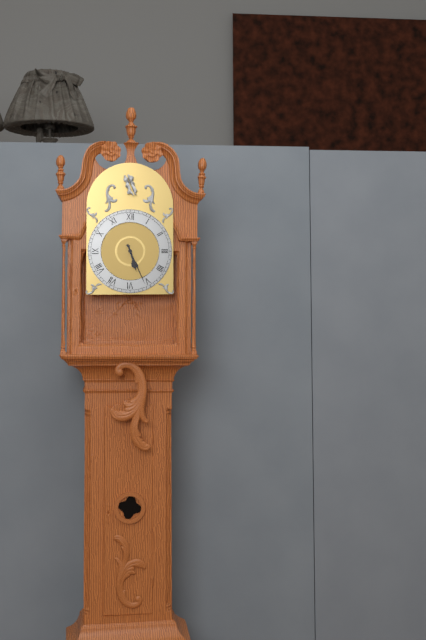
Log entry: h=5 m=26
